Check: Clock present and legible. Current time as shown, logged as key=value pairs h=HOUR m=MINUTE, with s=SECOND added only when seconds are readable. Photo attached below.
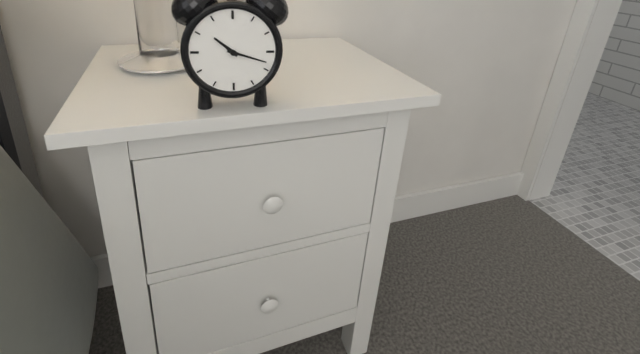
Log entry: h=10 m=18
